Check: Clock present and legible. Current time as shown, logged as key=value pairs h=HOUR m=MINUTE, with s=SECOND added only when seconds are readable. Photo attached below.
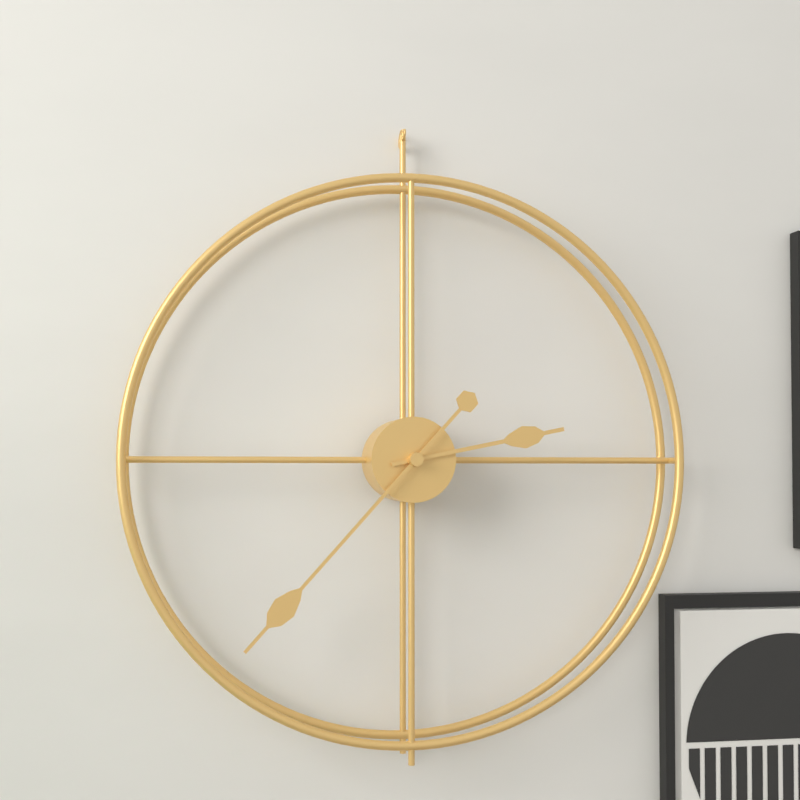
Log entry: h=2 m=37
